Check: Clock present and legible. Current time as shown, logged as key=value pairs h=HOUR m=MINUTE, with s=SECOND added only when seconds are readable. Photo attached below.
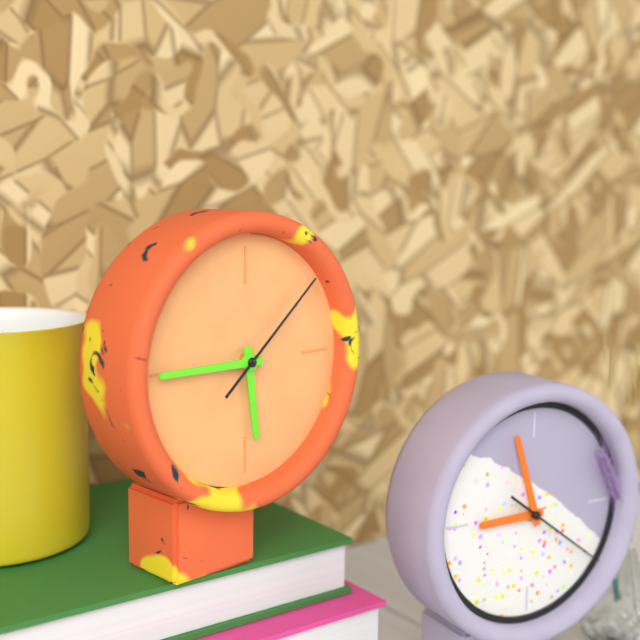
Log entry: h=5 m=45 s=8
